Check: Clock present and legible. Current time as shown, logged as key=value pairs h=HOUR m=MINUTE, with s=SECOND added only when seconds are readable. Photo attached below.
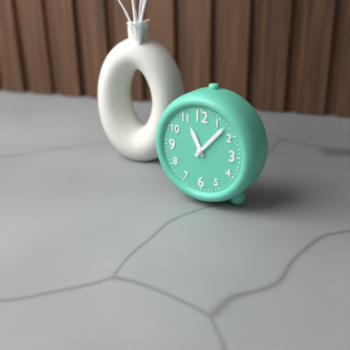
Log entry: h=11 m=7
